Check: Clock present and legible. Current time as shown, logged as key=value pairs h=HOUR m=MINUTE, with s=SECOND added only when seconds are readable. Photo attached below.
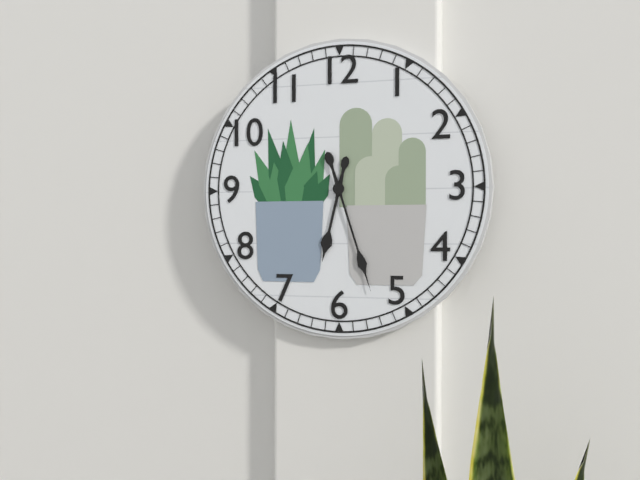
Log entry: h=6 m=27
